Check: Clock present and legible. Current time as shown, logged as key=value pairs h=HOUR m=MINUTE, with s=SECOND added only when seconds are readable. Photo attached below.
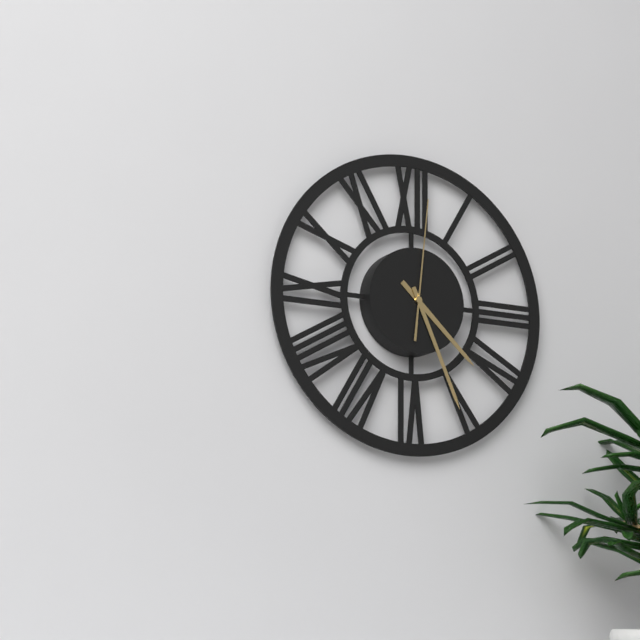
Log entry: h=4 m=26 s=1
